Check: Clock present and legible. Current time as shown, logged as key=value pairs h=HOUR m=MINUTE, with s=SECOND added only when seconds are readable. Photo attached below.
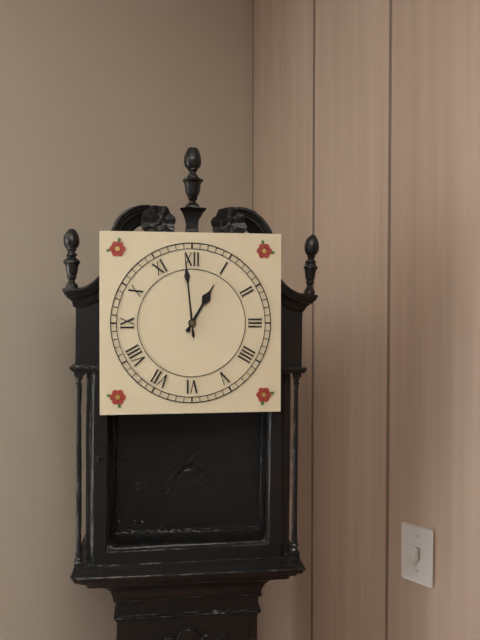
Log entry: h=12 m=59
